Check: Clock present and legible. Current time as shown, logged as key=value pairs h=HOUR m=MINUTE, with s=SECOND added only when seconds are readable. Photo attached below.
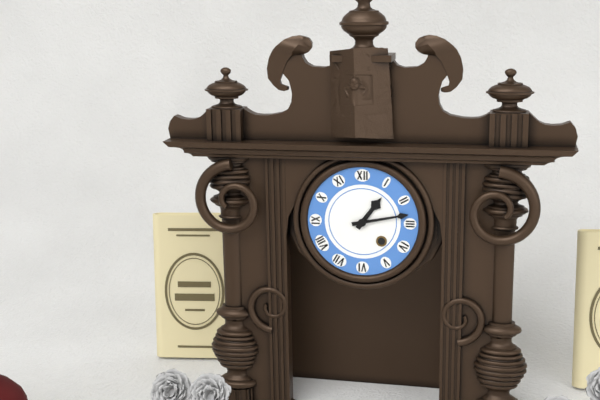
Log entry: h=1 m=13
